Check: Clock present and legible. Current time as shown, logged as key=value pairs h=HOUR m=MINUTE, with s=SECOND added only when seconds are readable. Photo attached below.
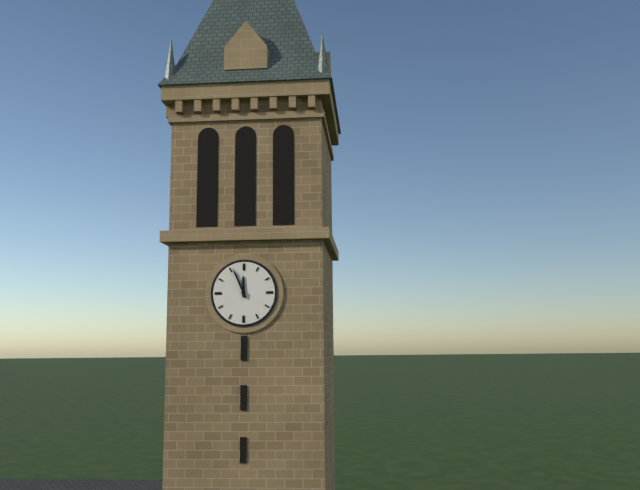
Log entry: h=11 m=56
